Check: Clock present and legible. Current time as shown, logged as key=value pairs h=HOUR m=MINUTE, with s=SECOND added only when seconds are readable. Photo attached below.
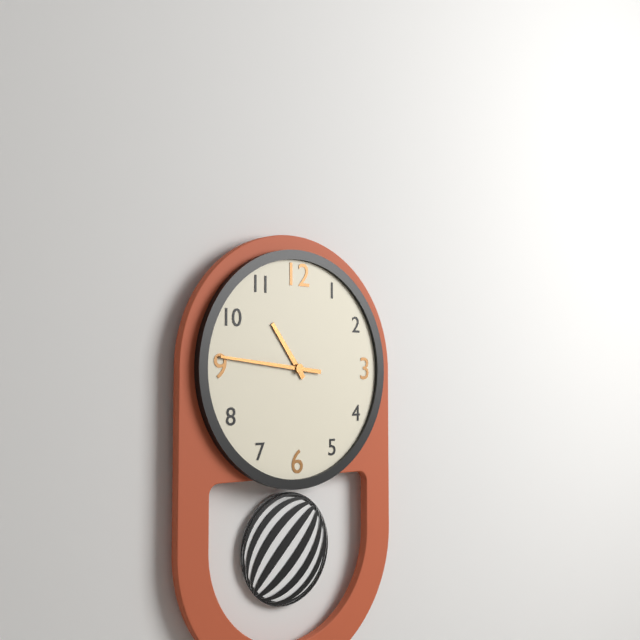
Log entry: h=10 m=46
